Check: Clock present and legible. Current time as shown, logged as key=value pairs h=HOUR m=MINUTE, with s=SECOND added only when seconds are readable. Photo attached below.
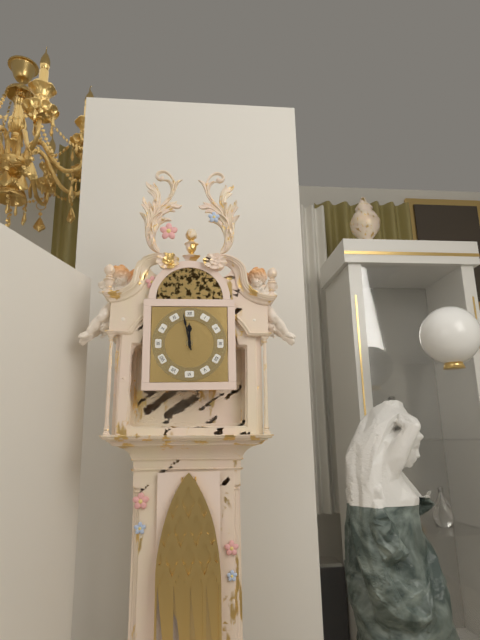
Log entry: h=11 m=58
